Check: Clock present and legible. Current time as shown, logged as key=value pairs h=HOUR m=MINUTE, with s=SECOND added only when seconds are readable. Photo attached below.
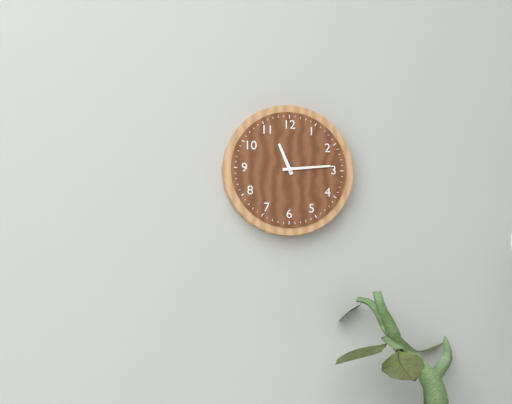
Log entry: h=11 m=14
